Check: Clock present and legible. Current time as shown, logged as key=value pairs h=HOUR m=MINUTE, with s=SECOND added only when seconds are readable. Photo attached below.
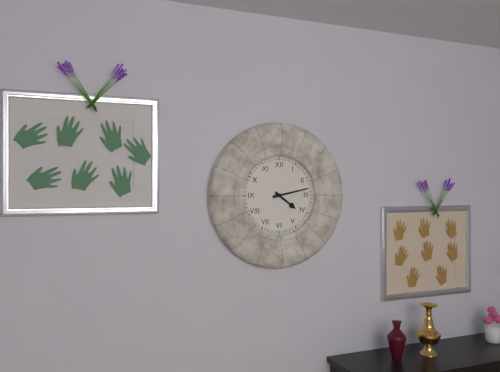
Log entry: h=4 m=13
